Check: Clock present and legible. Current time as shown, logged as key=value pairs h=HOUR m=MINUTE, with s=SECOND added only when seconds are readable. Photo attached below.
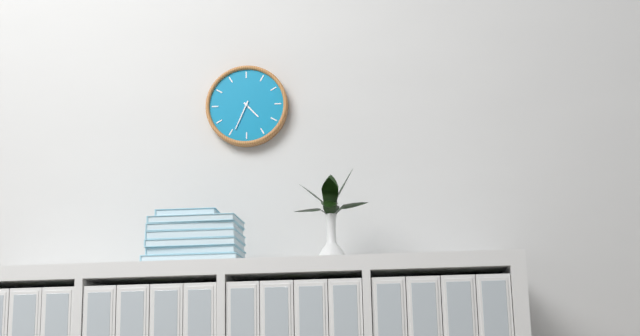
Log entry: h=4 m=34
